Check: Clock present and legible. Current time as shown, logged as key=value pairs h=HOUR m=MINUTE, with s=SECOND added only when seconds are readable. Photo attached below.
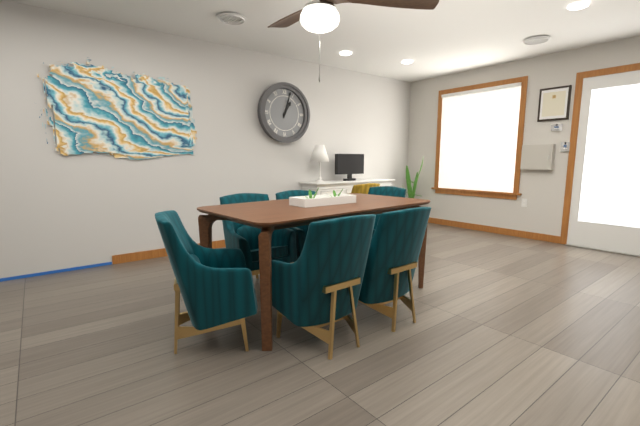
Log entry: h=1 m=3
